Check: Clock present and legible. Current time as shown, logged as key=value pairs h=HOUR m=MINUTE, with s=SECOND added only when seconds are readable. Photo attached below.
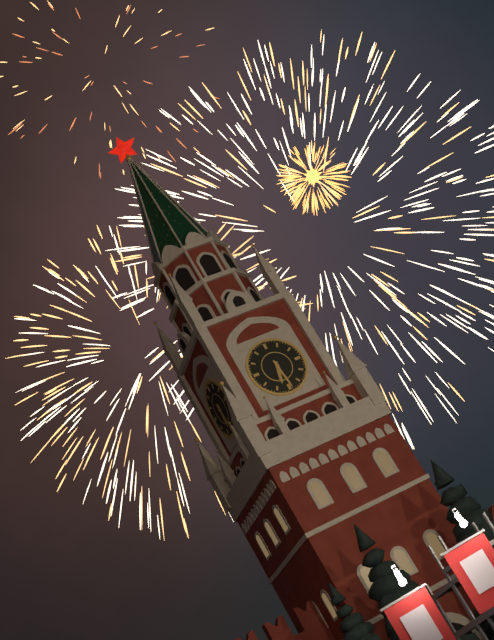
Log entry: h=6 m=29
